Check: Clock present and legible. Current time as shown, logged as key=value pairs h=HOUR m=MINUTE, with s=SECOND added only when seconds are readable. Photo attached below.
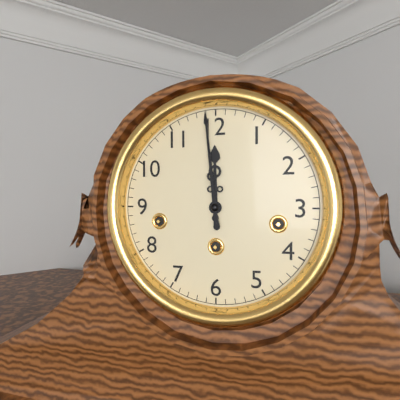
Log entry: h=11 m=59
